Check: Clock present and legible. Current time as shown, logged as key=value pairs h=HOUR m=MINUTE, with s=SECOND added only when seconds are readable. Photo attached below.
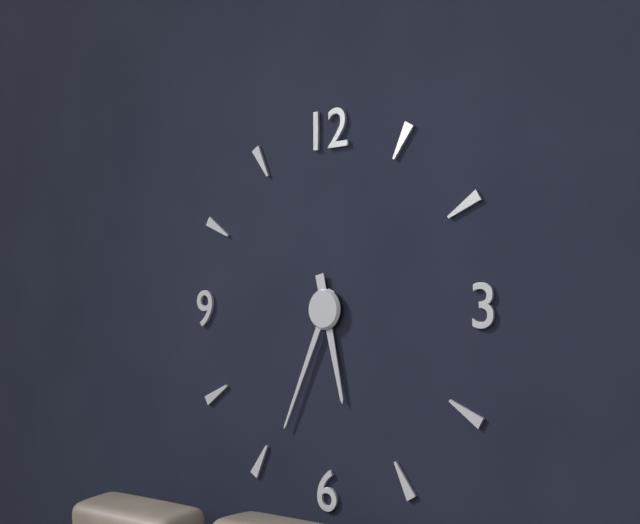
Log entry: h=5 m=34
